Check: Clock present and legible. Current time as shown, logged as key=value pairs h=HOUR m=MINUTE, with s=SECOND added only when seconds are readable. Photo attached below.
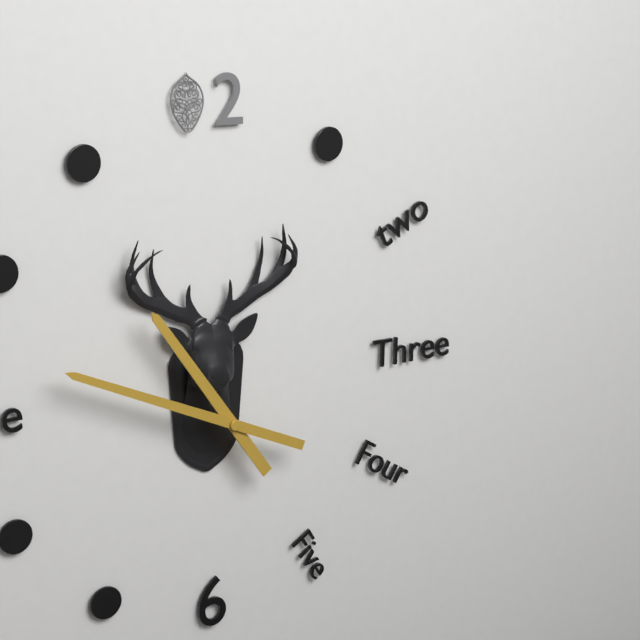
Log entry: h=10 m=49
